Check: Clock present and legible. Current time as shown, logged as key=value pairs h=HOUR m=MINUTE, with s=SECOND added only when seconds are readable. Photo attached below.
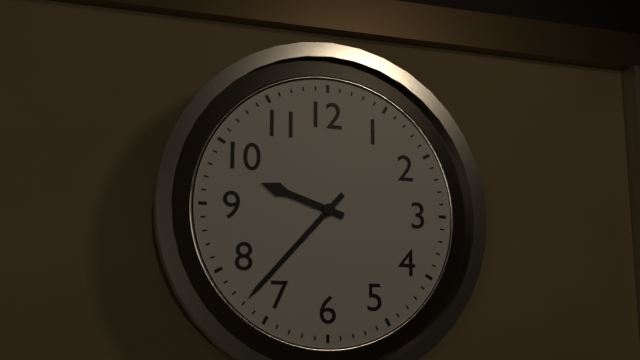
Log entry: h=9 m=37
